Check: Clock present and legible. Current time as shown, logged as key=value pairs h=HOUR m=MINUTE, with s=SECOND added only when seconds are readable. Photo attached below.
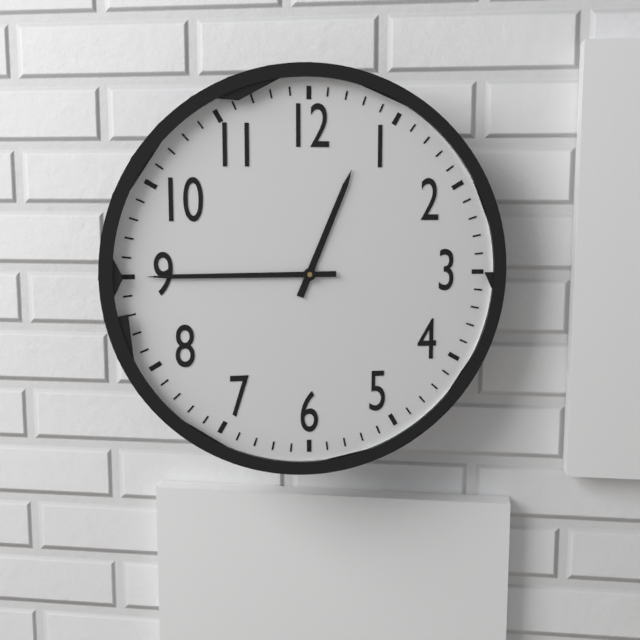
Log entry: h=12 m=45
